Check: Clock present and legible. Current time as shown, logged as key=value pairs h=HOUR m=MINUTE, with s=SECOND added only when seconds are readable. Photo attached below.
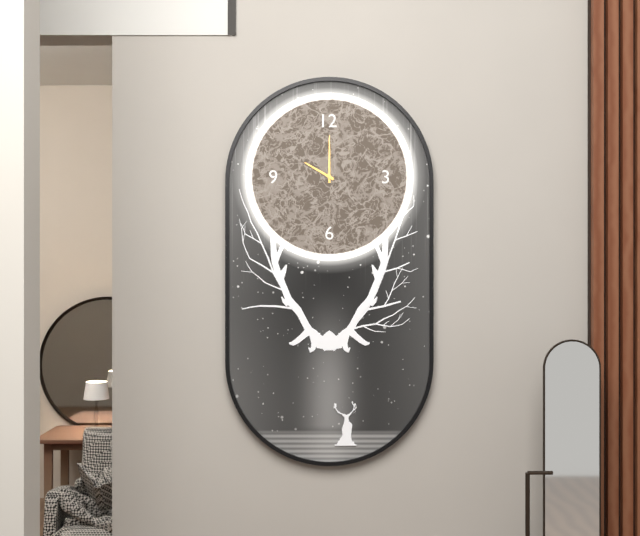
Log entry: h=10 m=0
